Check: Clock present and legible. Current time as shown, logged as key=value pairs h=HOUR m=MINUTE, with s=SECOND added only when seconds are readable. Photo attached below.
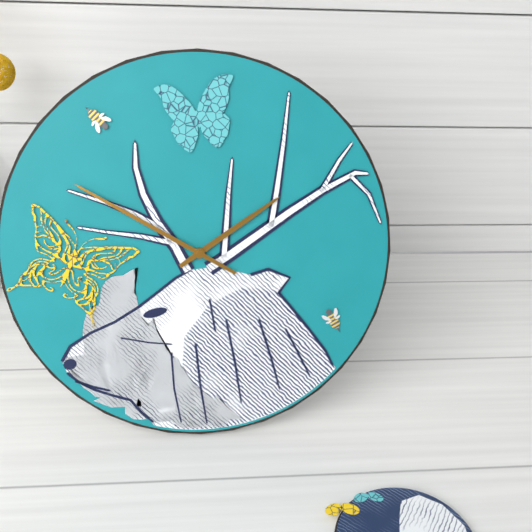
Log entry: h=1 m=50
